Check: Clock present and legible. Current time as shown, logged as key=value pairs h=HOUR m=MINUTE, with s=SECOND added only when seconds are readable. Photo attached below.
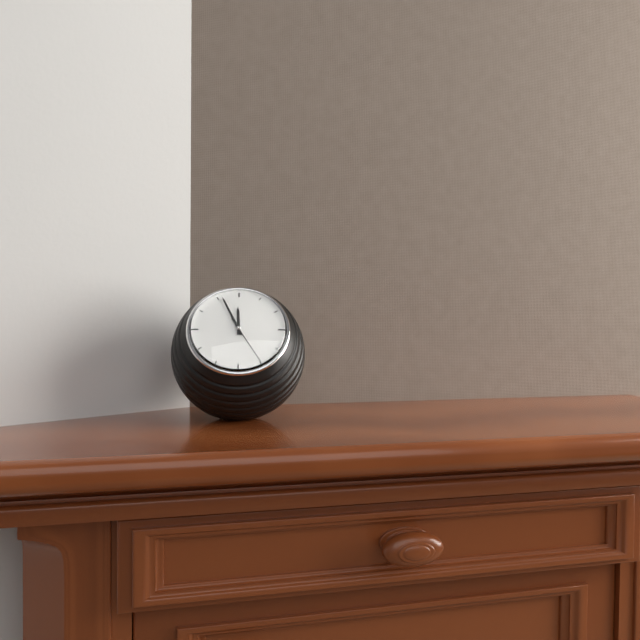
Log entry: h=11 m=56
